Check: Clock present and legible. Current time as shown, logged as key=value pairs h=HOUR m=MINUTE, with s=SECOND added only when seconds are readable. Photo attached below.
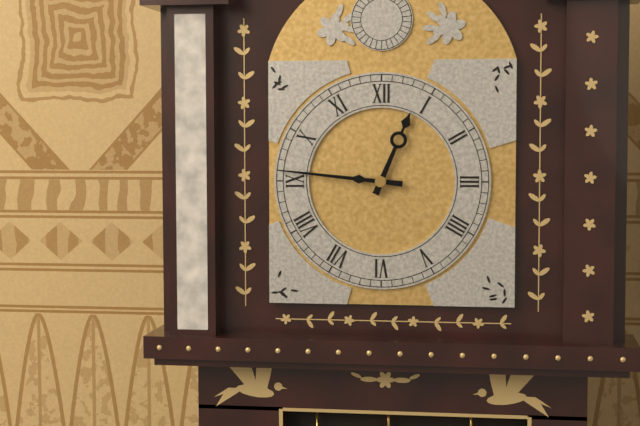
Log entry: h=12 m=46
